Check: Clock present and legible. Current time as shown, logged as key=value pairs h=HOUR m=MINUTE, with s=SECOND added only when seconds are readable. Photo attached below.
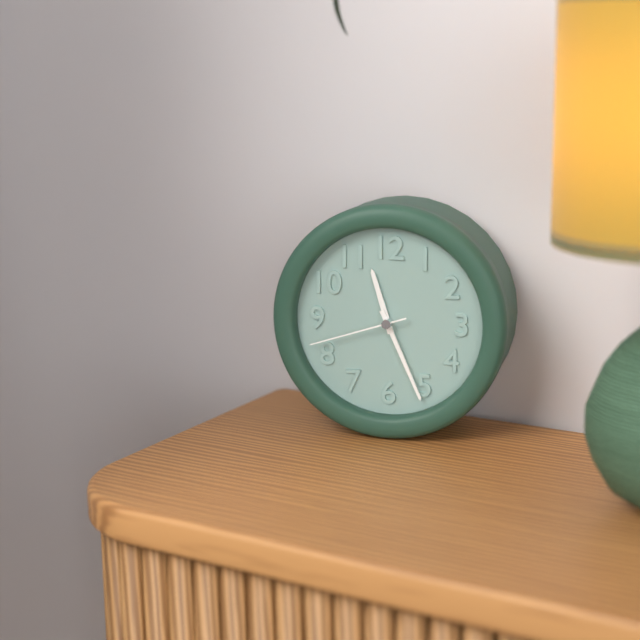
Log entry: h=11 m=26 s=42
